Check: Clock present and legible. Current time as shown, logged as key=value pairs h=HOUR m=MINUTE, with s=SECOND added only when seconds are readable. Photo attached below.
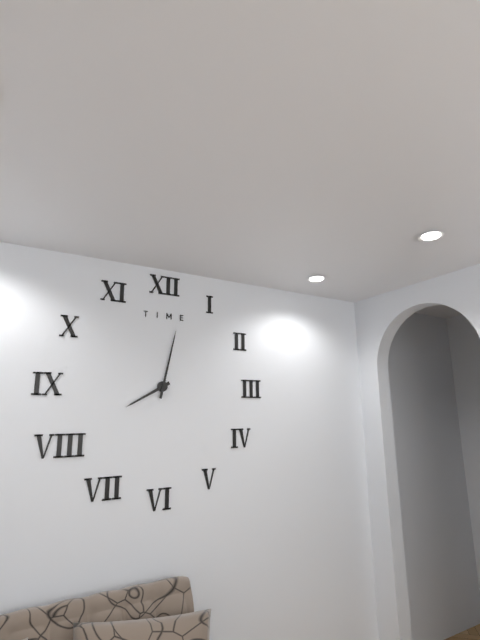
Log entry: h=8 m=2
